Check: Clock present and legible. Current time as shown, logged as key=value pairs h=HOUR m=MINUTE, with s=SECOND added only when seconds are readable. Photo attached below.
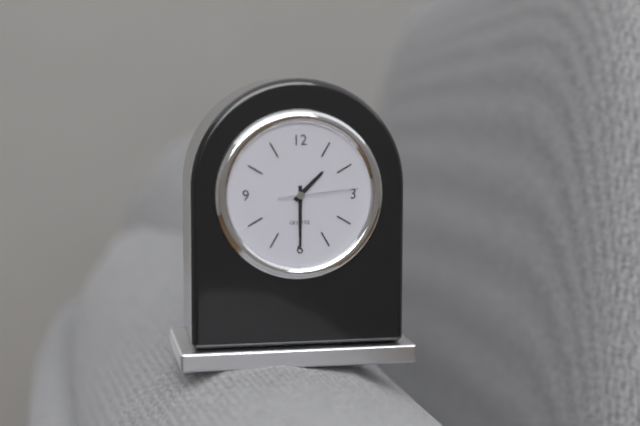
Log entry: h=1 m=30 s=14
